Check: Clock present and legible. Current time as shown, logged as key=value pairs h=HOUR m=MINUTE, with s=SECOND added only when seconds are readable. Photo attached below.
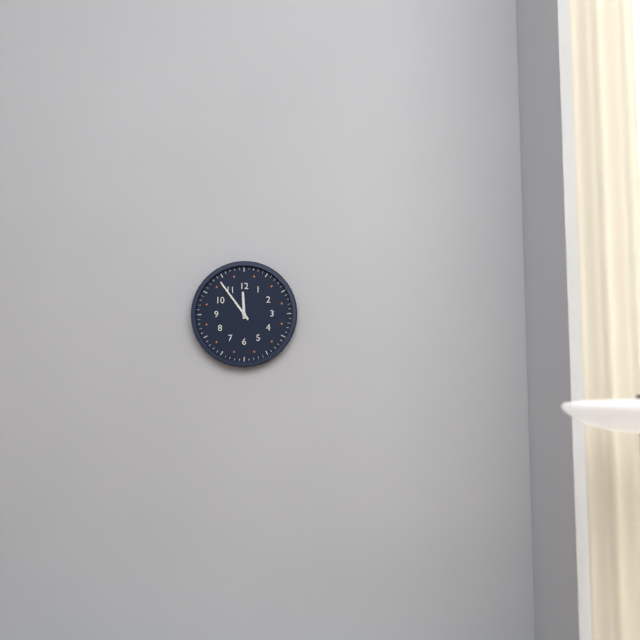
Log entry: h=11 m=54
